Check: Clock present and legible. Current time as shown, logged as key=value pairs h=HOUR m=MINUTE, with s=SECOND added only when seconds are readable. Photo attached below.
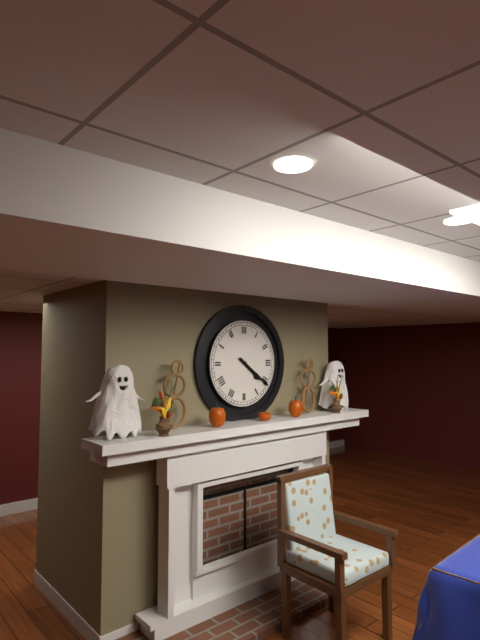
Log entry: h=4 m=21
